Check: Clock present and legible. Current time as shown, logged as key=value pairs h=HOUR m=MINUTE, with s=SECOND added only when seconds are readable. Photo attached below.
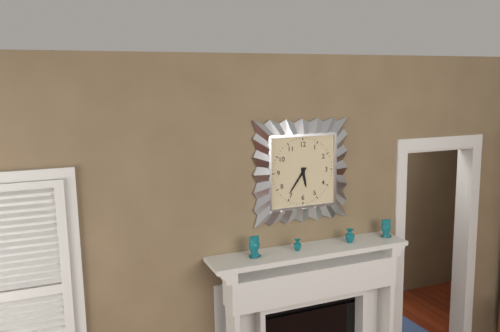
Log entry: h=5 m=36
